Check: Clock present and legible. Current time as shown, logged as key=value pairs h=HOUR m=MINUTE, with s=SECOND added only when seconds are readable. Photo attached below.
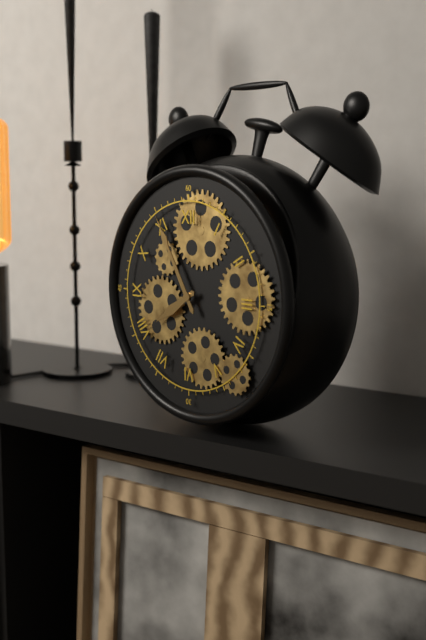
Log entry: h=7 m=55
